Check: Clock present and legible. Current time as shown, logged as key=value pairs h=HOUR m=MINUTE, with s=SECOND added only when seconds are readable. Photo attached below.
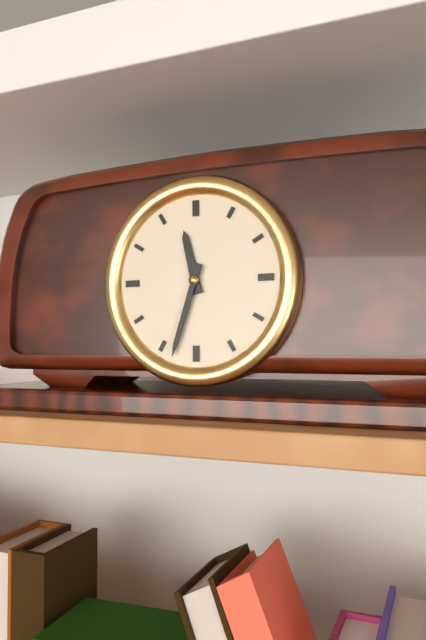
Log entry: h=11 m=33
